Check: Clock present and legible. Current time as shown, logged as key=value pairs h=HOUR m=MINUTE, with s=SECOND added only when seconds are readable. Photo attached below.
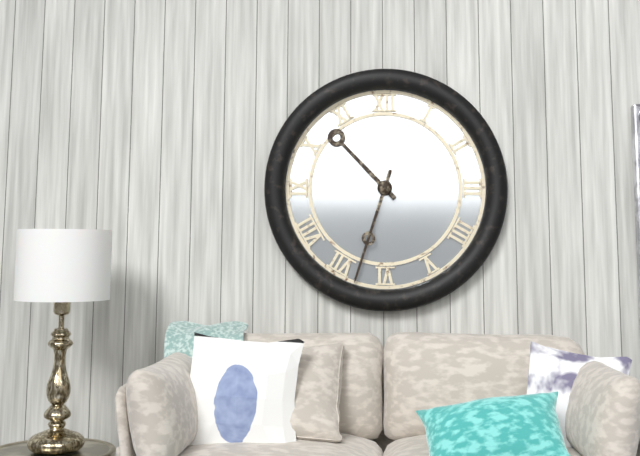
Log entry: h=10 m=33
